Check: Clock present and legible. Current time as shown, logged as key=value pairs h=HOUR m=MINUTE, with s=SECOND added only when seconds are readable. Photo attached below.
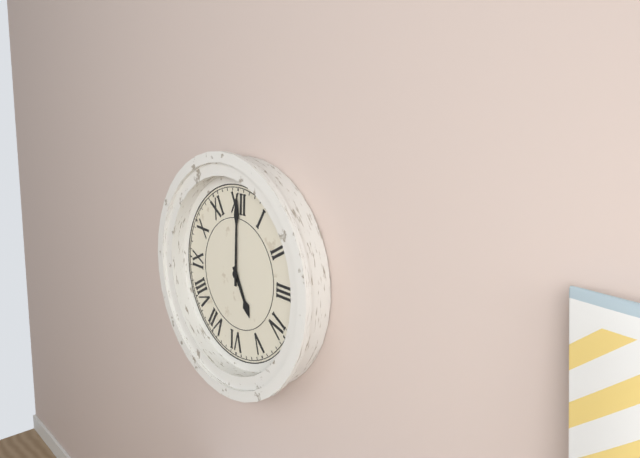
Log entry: h=5 m=0
